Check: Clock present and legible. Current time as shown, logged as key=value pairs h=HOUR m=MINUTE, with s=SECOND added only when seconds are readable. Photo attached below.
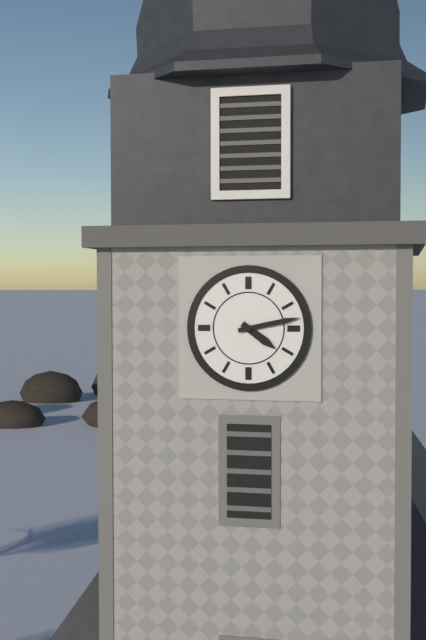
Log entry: h=4 m=13
